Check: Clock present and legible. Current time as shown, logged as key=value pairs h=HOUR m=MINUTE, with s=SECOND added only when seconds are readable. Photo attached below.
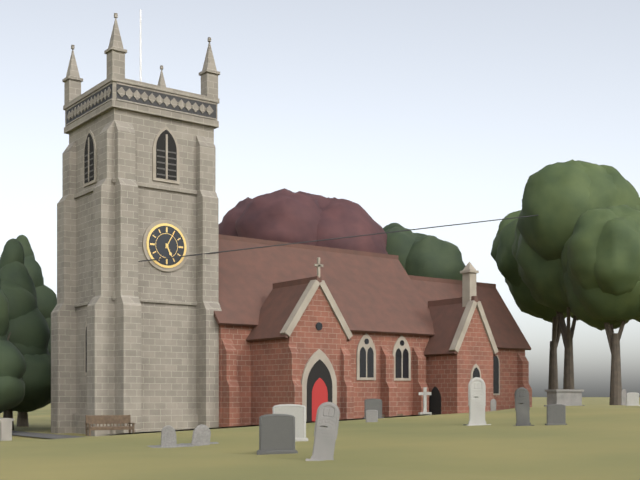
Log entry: h=5 m=5
